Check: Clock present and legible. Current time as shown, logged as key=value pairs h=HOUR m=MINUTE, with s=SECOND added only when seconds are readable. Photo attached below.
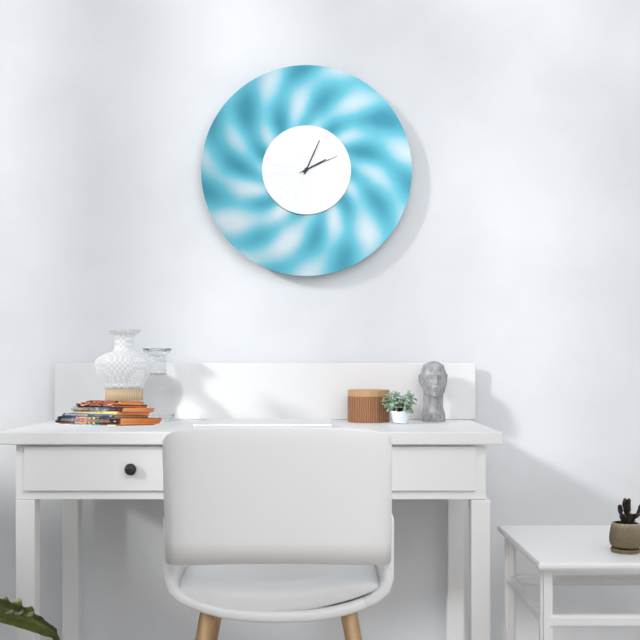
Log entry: h=2 m=4
